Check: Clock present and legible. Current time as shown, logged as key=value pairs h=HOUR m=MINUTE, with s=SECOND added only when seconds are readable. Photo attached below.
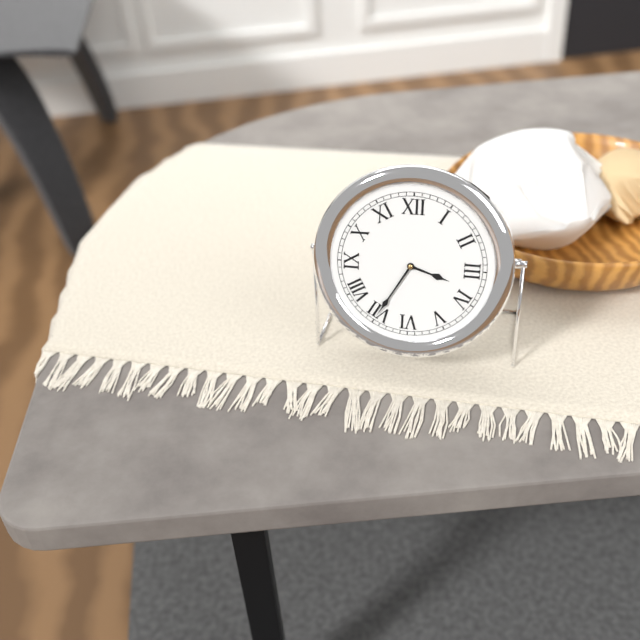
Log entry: h=3 m=35
